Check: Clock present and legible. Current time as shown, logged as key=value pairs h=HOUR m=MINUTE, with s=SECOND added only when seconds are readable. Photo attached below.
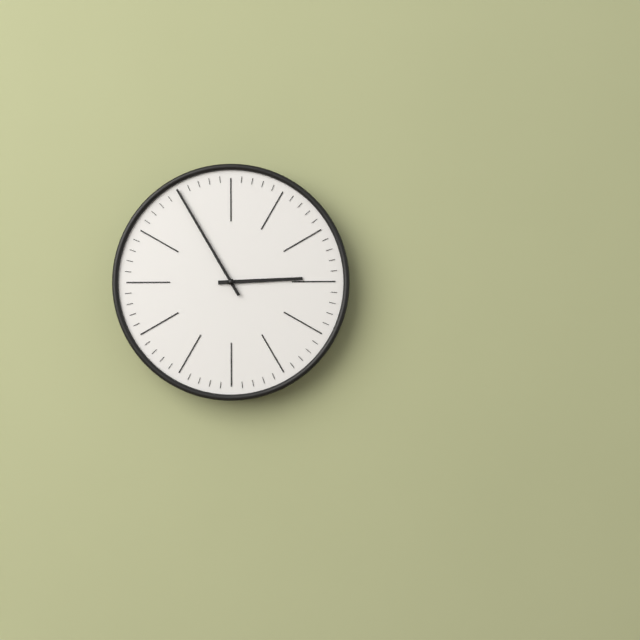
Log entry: h=2 m=55
